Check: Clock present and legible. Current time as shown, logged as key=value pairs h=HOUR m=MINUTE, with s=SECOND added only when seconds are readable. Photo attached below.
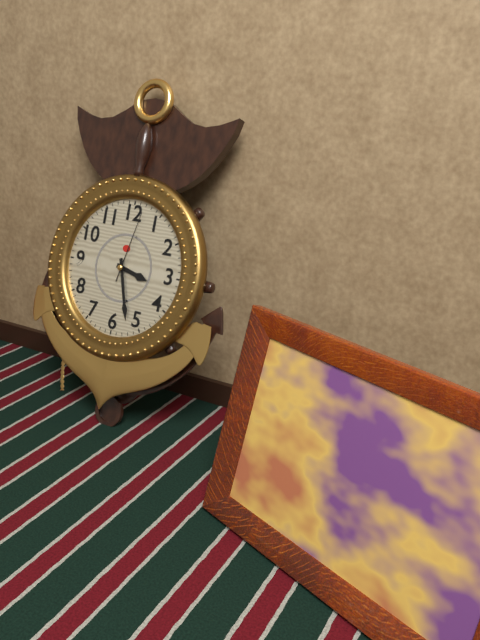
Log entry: h=3 m=27 s=2
